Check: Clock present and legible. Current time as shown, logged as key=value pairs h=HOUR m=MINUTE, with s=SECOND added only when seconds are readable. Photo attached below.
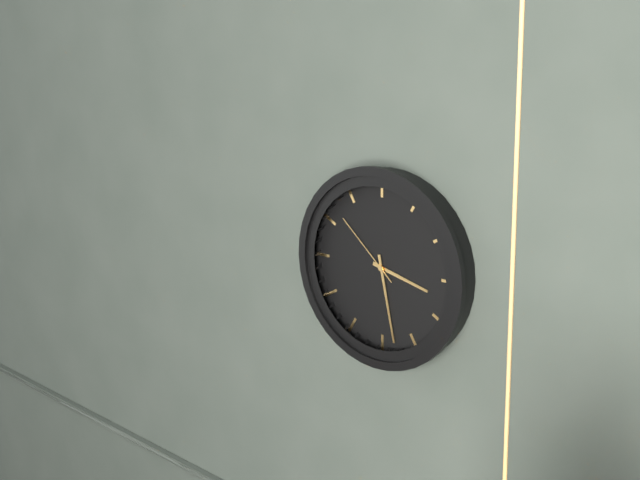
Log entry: h=3 m=28 s=52
